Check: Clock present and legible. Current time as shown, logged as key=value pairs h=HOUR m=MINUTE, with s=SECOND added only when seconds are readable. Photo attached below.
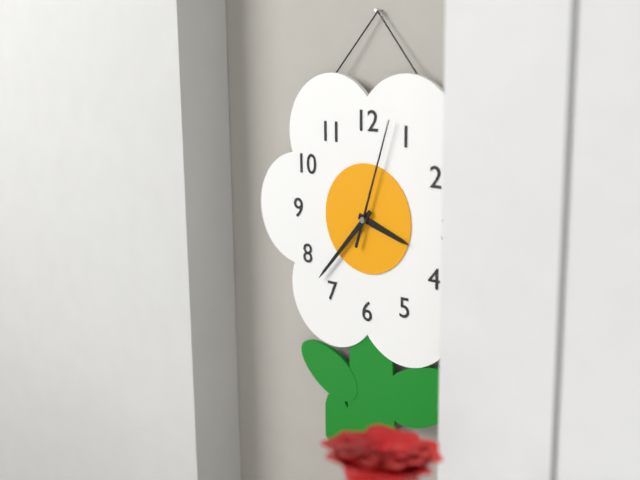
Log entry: h=3 m=37 s=3
